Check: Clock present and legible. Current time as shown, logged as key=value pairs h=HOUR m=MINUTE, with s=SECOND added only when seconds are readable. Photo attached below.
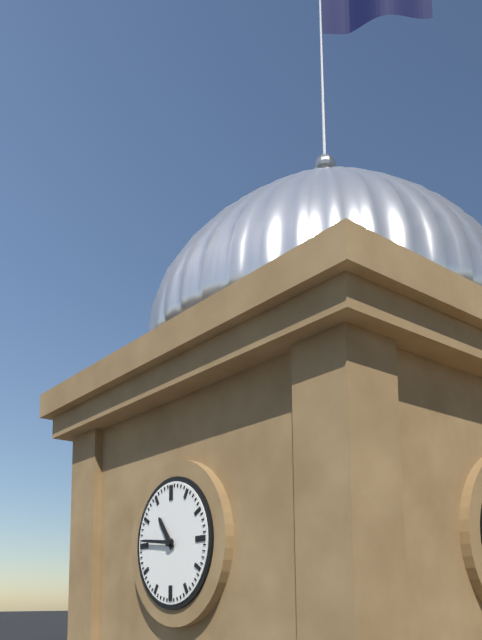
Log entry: h=10 m=46
